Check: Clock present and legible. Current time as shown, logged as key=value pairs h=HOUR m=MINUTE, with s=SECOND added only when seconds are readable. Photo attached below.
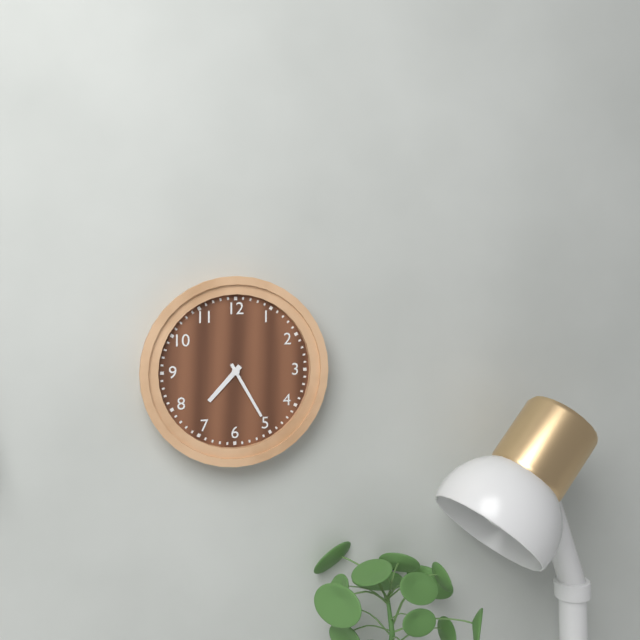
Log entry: h=7 m=25
